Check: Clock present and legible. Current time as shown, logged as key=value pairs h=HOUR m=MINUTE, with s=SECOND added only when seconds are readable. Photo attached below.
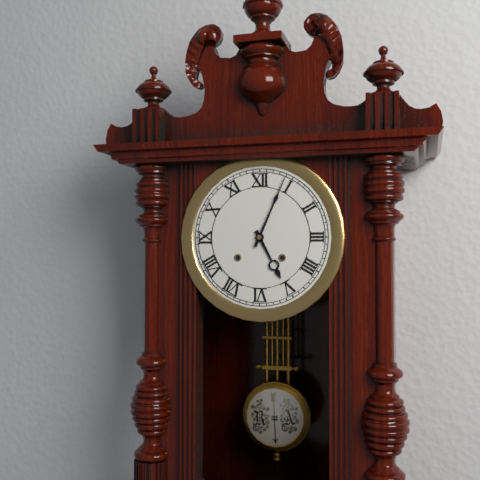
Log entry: h=5 m=4
